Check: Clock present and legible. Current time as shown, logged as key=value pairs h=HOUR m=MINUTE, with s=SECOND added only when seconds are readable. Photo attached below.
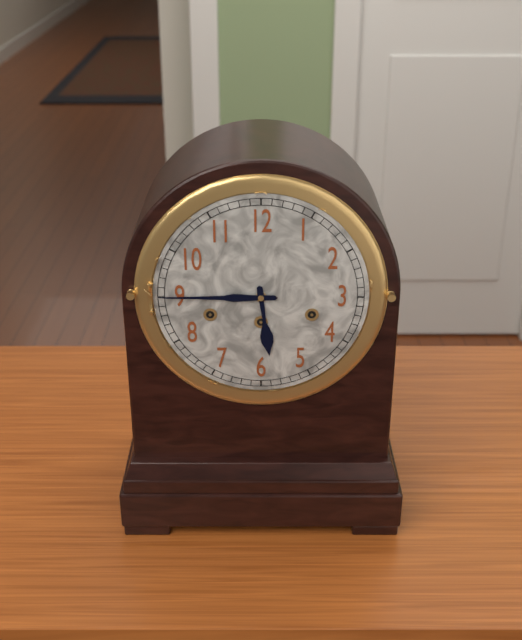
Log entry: h=5 m=45
